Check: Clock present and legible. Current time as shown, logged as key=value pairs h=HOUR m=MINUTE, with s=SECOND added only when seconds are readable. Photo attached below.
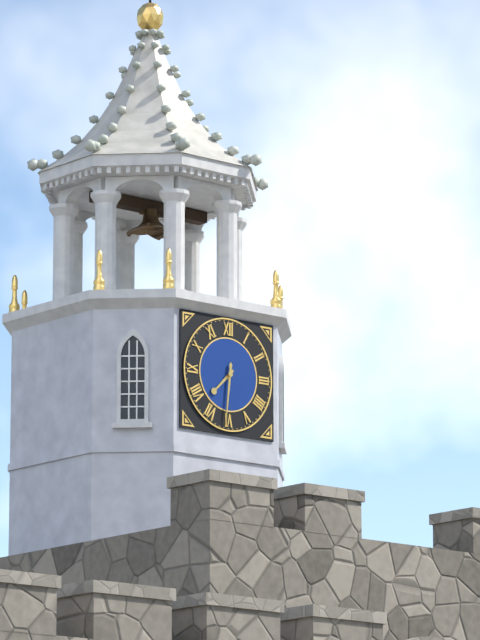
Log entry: h=7 m=31
